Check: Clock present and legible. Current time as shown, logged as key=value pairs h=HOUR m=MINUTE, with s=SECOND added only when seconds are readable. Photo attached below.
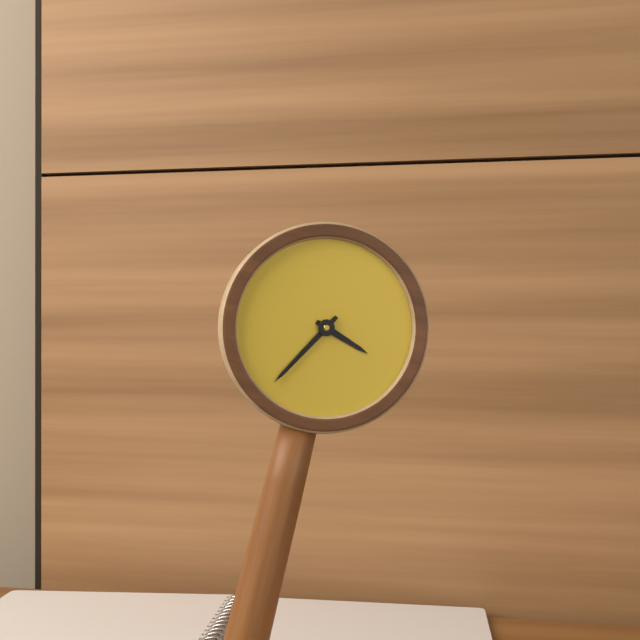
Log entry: h=3 m=35
